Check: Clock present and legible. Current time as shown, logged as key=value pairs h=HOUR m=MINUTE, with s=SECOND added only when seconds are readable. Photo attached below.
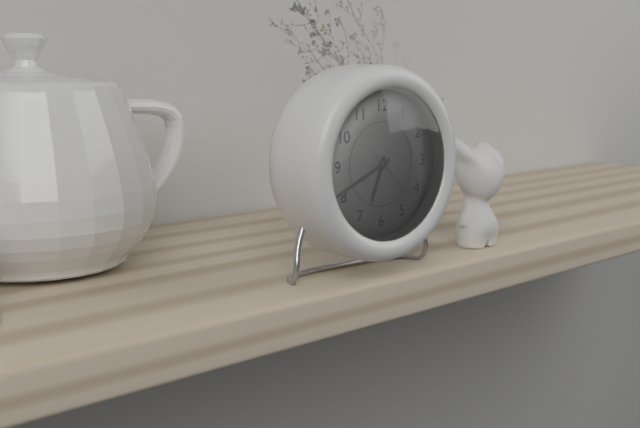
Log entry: h=6 m=41 s=22
